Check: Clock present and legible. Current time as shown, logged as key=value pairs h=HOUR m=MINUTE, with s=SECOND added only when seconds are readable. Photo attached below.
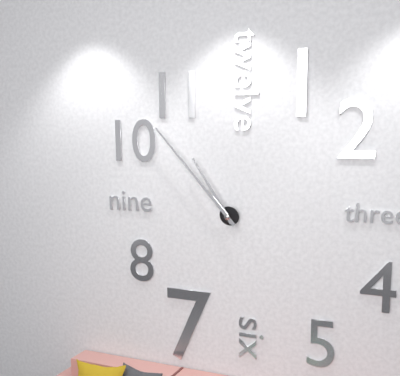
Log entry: h=10 m=53
